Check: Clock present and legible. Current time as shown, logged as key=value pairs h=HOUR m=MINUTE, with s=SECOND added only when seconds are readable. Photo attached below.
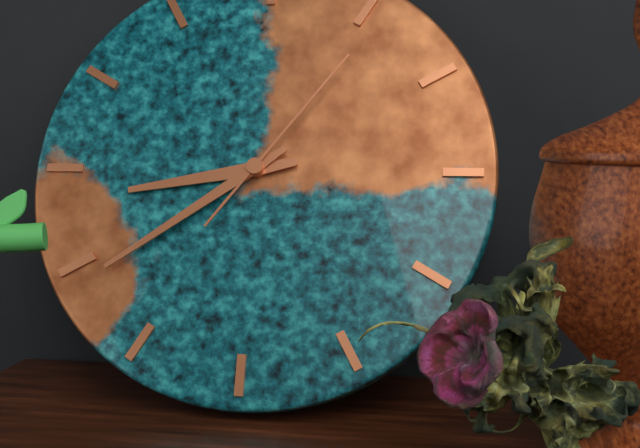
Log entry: h=8 m=39 s=6
